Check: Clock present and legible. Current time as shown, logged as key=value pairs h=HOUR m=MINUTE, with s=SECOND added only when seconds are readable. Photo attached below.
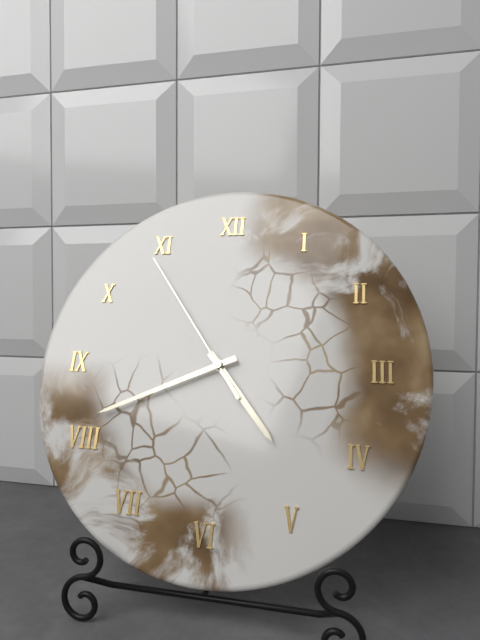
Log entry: h=4 m=41 s=54
